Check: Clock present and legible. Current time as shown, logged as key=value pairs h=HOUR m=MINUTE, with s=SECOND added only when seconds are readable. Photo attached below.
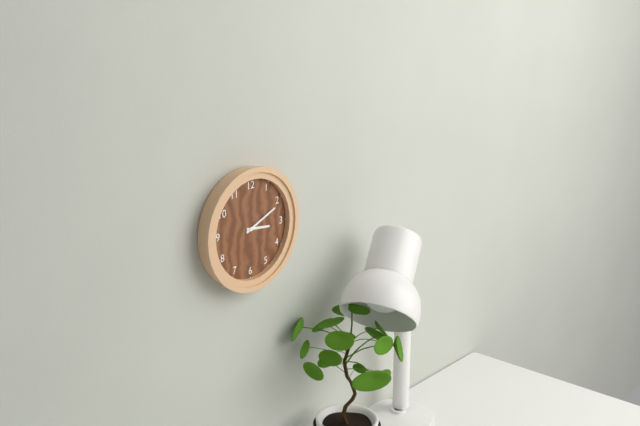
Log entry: h=3 m=11
